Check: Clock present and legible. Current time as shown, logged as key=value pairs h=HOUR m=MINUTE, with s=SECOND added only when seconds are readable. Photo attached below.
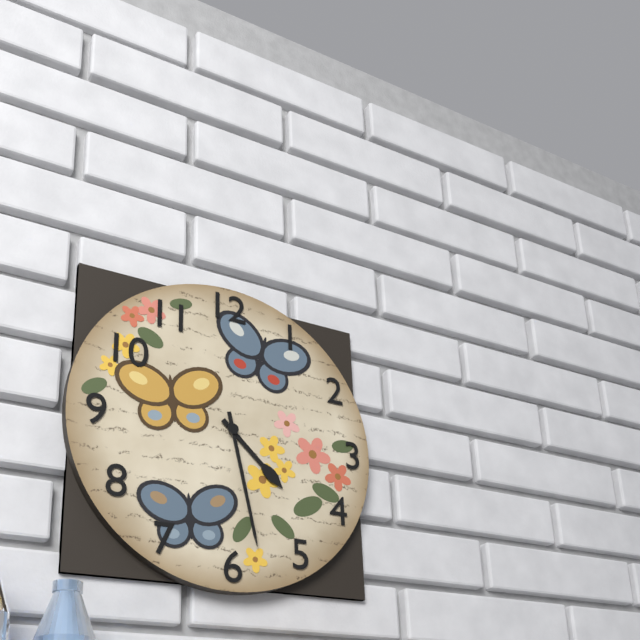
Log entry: h=4 m=28
